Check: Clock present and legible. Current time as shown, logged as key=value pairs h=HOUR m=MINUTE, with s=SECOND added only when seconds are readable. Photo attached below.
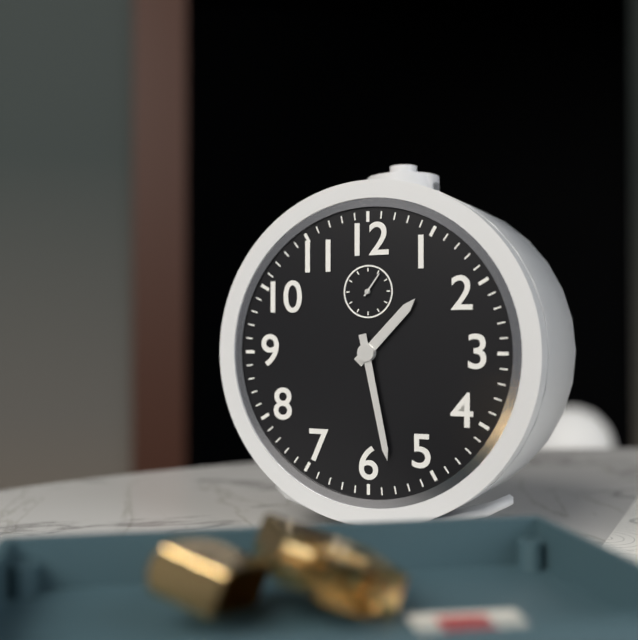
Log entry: h=1 m=28
